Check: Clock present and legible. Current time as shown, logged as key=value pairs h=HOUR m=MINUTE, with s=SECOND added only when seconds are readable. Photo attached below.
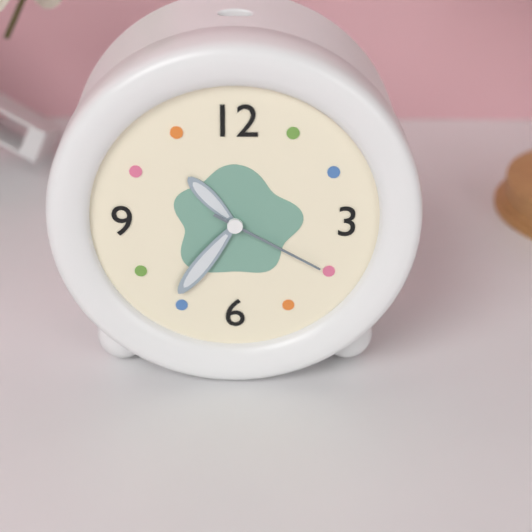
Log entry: h=10 m=36 s=20
